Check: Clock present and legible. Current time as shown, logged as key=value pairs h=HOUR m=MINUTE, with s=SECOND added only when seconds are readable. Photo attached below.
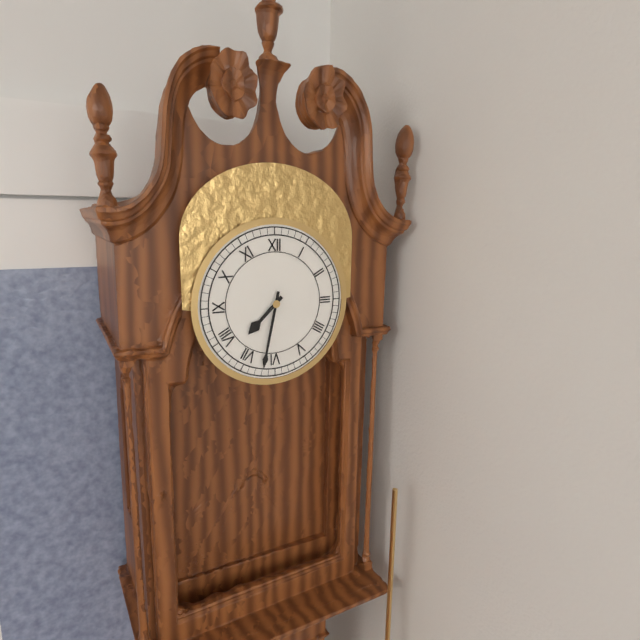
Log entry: h=7 m=32
